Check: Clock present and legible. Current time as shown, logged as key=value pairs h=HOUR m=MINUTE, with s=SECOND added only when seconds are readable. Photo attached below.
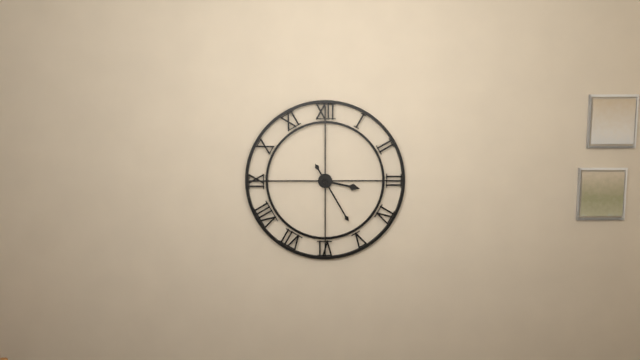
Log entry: h=3 m=25
